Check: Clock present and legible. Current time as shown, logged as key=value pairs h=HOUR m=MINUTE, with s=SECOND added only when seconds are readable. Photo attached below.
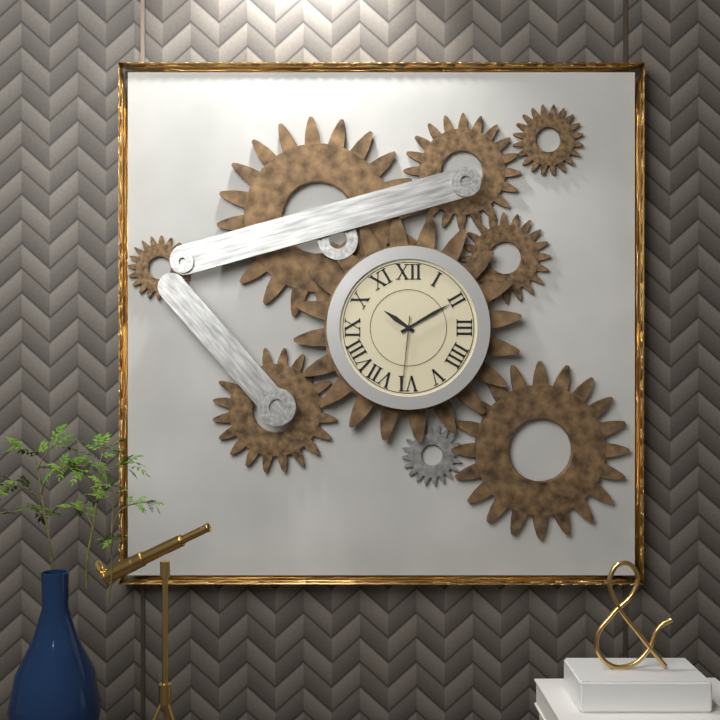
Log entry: h=10 m=10 s=31
